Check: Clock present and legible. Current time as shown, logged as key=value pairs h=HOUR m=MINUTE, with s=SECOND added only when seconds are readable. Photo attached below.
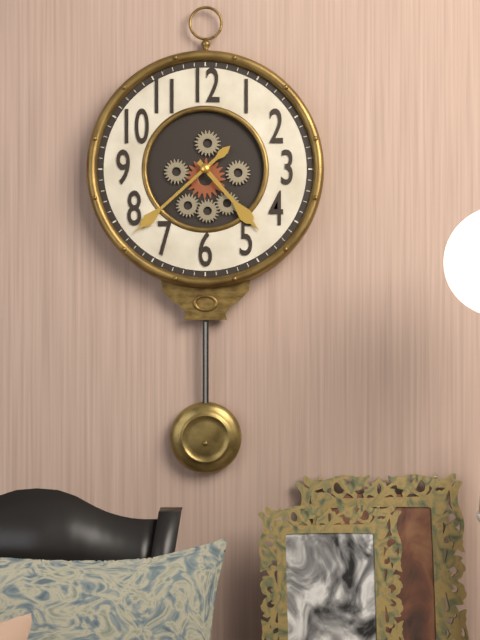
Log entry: h=4 m=38
